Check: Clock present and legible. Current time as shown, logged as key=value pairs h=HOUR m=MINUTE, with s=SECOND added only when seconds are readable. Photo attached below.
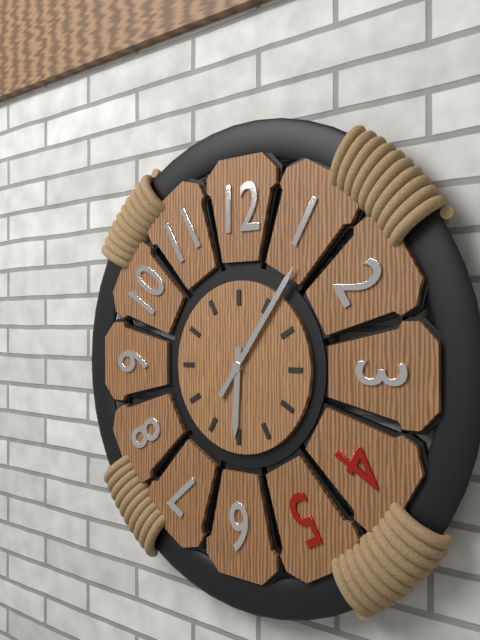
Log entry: h=6 m=6
